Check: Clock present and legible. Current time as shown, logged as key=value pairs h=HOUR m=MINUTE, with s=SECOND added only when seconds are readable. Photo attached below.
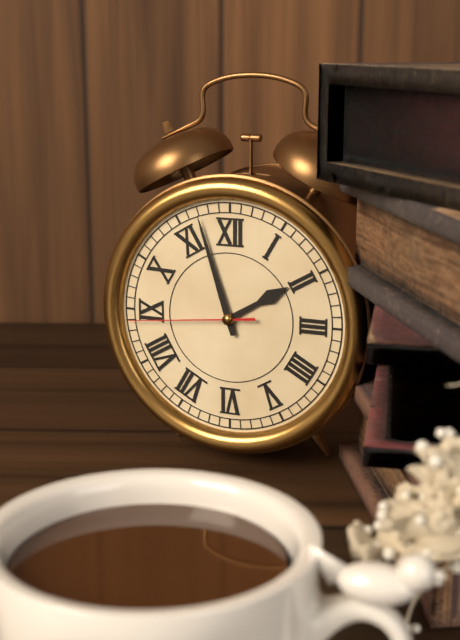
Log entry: h=1 m=57 s=44
